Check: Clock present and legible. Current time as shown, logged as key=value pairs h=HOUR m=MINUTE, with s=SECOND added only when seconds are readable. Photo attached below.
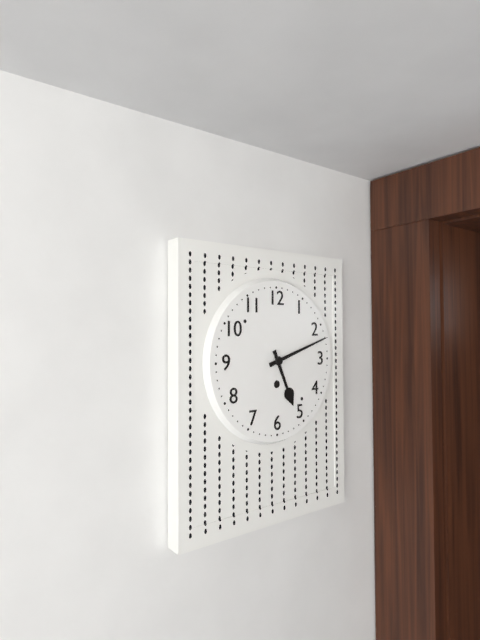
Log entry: h=5 m=12
